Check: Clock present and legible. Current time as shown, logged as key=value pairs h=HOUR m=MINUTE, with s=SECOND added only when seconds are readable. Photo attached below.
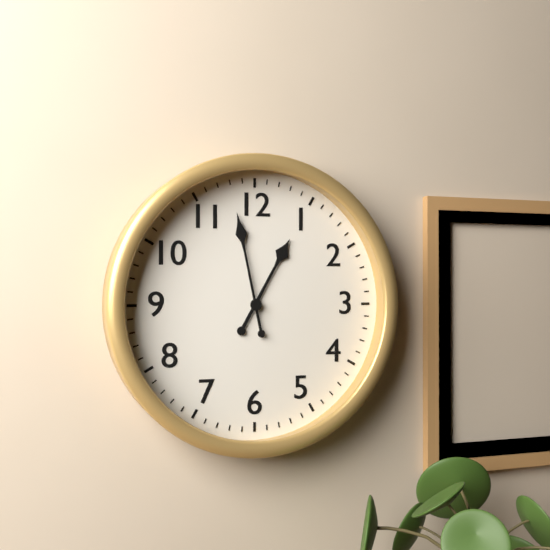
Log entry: h=12 m=58
